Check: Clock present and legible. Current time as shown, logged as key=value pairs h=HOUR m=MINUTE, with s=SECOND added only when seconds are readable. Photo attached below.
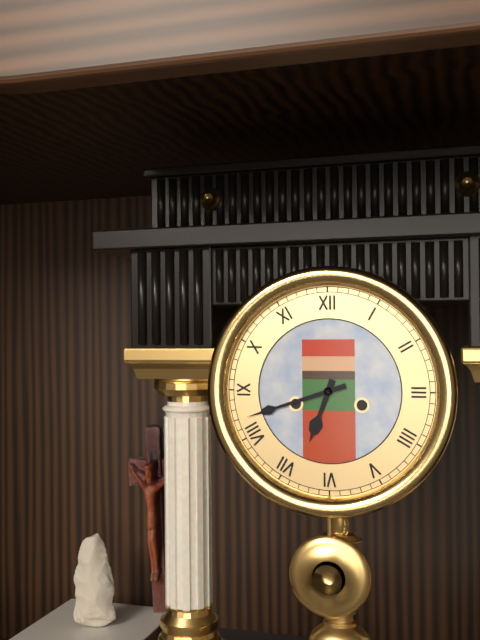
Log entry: h=6 m=42
